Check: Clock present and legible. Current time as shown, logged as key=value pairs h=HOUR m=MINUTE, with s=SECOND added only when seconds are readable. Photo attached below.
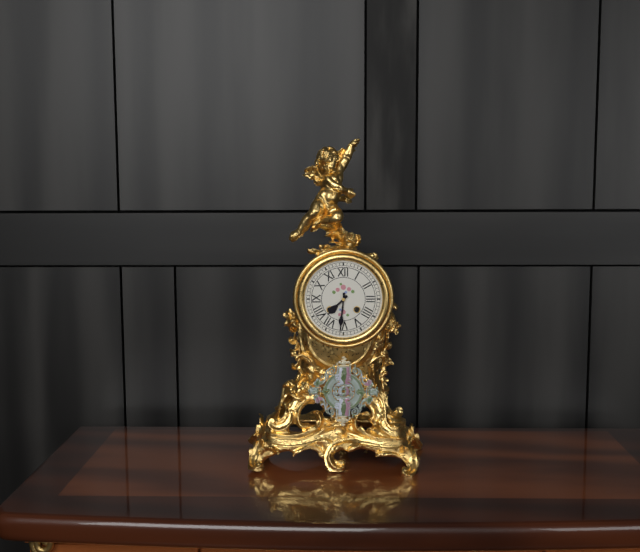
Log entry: h=7 m=31
